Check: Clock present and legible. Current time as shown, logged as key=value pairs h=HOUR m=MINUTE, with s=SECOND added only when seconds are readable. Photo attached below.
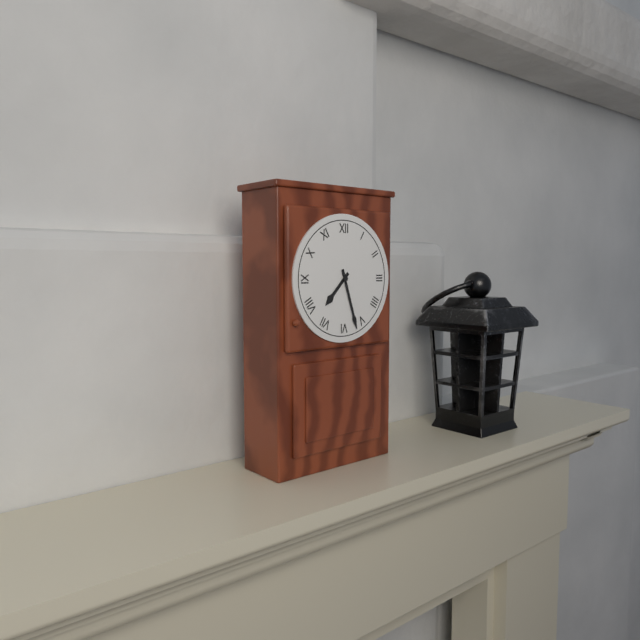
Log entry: h=7 m=27
